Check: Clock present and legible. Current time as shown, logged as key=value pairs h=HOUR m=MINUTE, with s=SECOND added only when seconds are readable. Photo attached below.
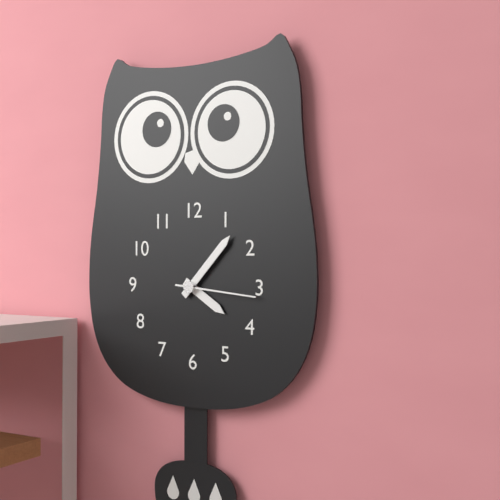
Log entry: h=4 m=7 s=16
